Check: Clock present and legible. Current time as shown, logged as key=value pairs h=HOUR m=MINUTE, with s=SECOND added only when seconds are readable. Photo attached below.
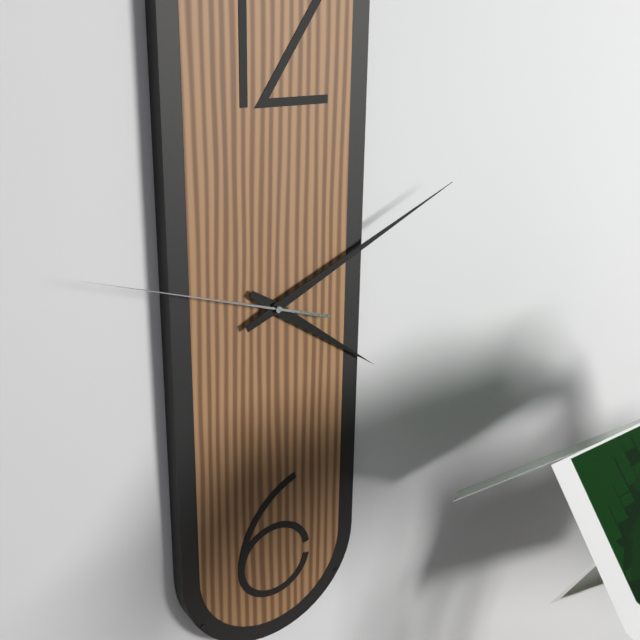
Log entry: h=4 m=11 s=48
